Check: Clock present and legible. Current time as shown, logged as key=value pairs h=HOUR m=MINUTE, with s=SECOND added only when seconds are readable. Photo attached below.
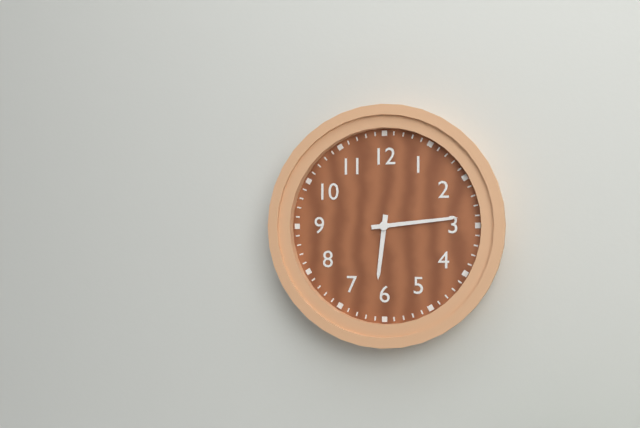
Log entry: h=6 m=14
